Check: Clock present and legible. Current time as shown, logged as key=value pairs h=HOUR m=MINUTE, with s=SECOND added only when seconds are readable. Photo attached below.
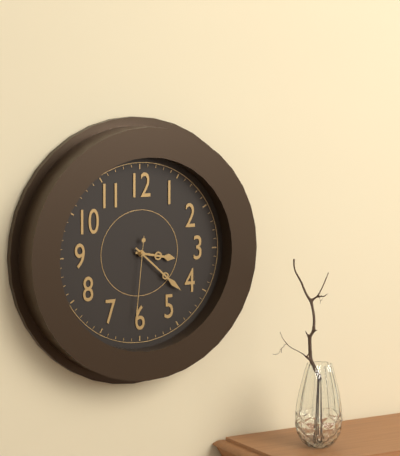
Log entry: h=3 m=22 s=31
